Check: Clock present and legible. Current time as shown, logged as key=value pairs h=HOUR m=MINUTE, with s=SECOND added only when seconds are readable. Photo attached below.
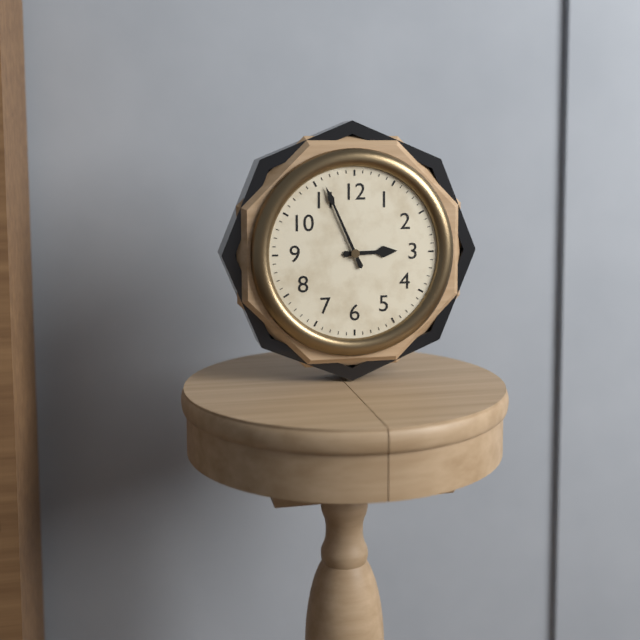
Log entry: h=2 m=56
